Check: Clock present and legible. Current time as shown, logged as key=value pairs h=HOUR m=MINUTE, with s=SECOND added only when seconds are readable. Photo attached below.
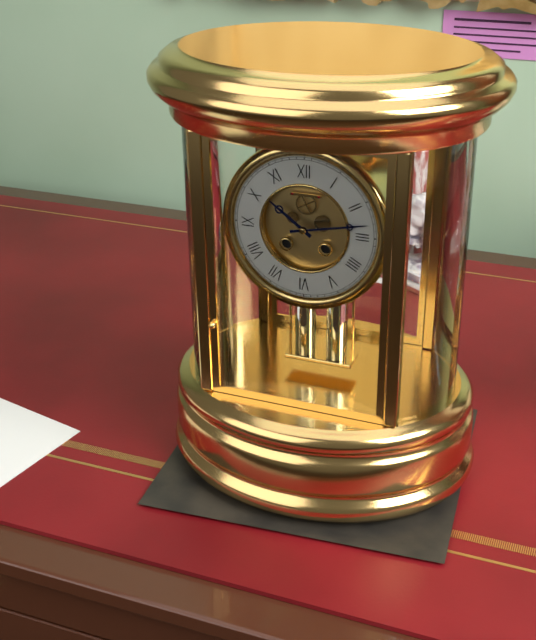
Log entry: h=10 m=13
